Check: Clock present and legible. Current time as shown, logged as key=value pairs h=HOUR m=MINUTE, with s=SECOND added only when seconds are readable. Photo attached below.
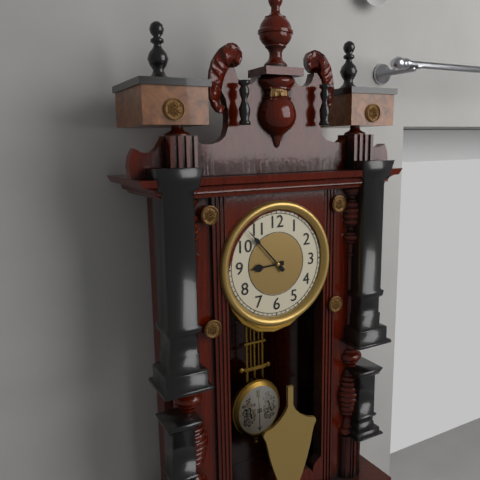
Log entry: h=8 m=53
